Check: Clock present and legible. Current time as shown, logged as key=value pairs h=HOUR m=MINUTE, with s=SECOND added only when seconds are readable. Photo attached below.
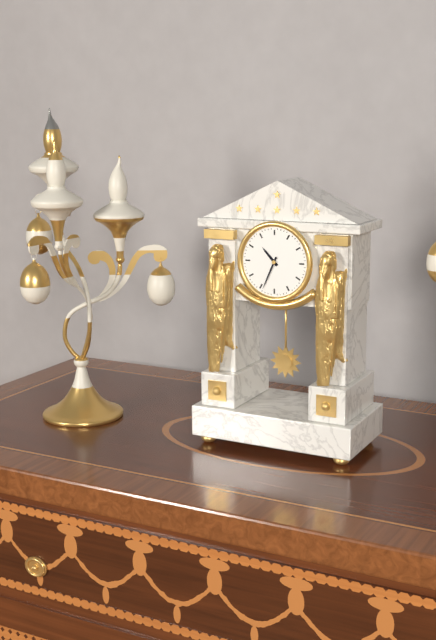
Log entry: h=10 m=34
